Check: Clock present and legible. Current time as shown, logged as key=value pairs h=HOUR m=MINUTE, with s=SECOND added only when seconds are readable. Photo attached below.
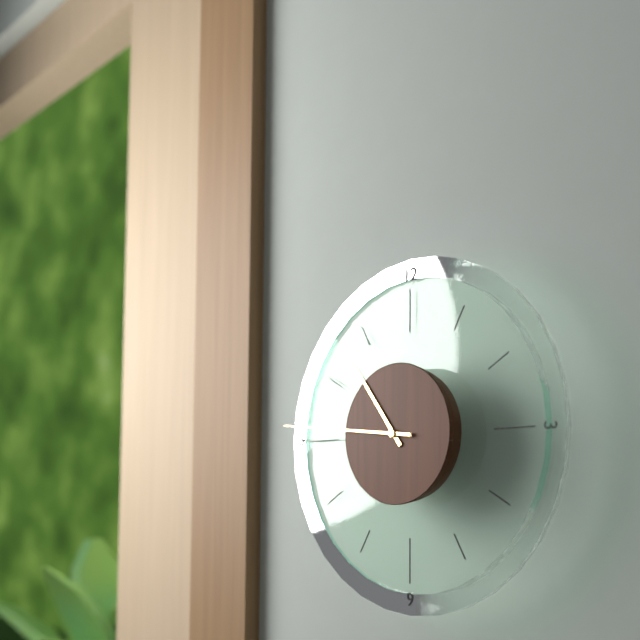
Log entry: h=10 m=46
